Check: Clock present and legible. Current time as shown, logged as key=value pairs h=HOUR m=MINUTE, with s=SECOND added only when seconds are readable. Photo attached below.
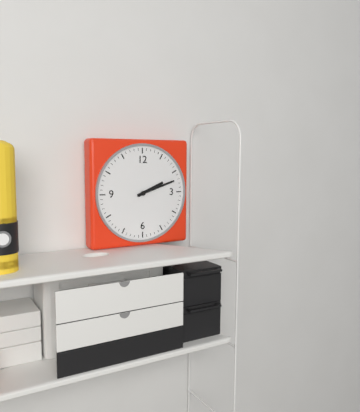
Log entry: h=2 m=12
